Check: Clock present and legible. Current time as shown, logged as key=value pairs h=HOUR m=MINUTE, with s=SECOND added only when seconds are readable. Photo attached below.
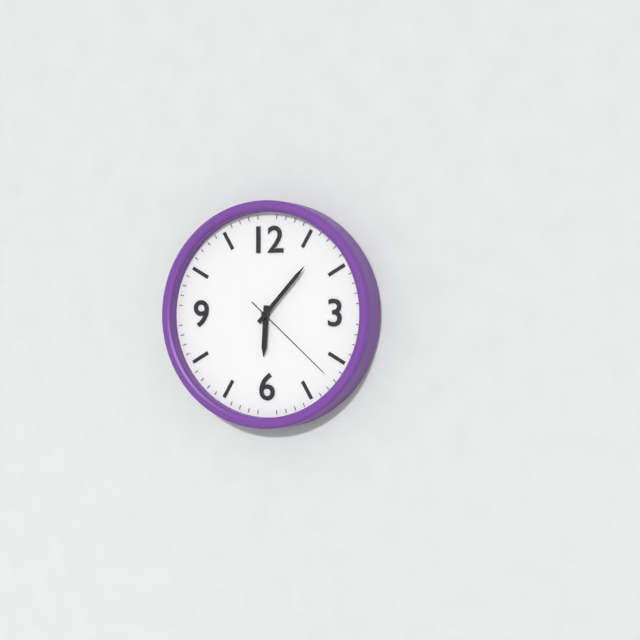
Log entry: h=6 m=7 s=22
